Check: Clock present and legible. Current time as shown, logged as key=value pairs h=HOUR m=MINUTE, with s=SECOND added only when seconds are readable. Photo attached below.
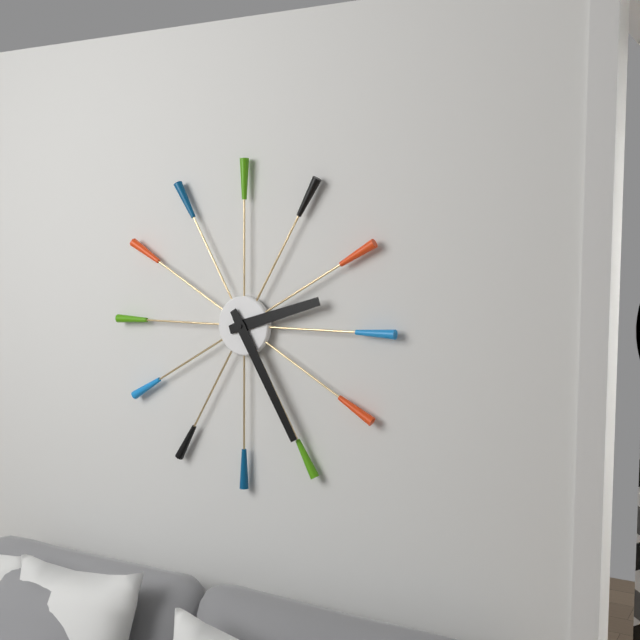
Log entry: h=2 m=25
